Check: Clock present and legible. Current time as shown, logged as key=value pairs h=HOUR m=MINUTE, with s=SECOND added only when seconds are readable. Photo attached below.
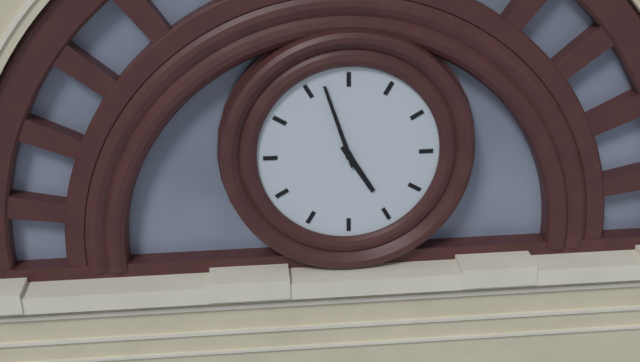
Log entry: h=4 m=57
